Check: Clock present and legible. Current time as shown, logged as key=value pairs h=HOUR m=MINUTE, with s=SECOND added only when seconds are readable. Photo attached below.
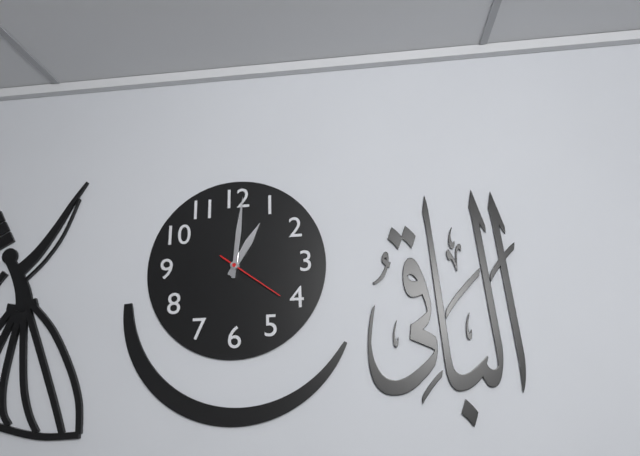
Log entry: h=1 m=1 s=21
